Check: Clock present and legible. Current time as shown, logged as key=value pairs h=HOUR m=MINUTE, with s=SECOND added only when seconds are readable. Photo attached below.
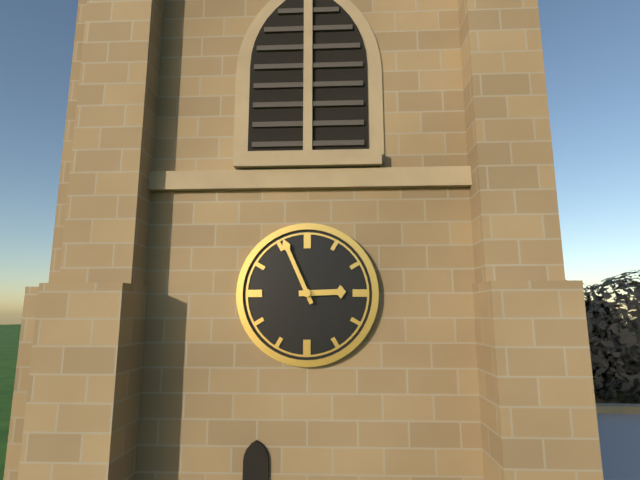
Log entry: h=2 m=56
